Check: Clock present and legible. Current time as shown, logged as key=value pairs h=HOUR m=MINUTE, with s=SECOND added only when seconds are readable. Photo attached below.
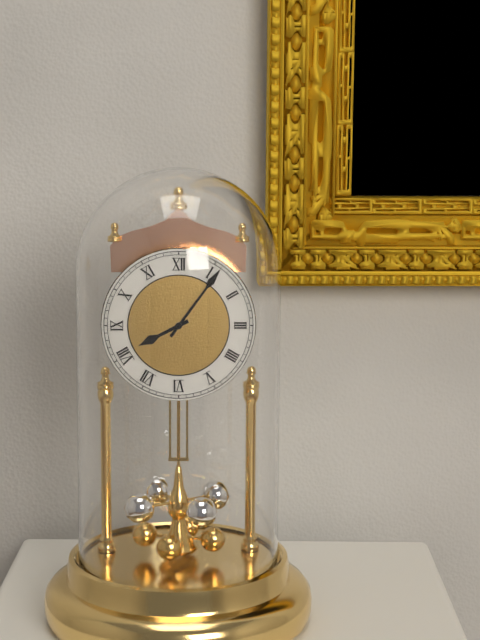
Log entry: h=8 m=6
